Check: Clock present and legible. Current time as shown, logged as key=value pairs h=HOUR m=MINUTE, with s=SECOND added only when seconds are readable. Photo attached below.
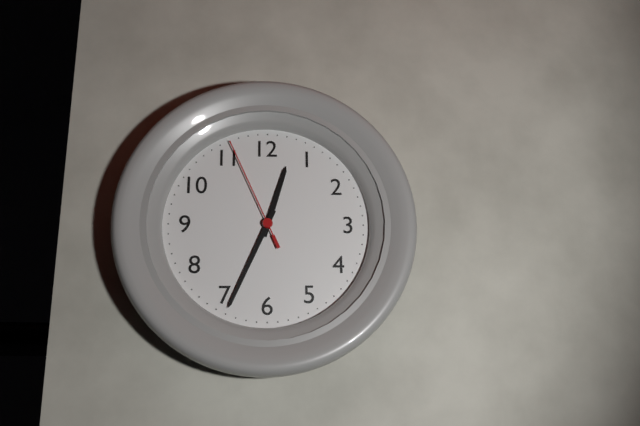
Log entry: h=12 m=34 s=56
